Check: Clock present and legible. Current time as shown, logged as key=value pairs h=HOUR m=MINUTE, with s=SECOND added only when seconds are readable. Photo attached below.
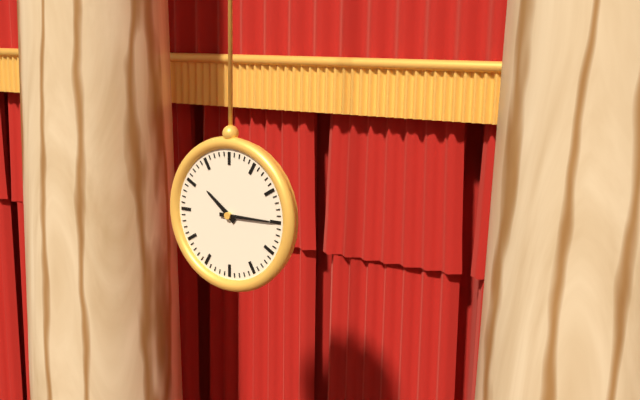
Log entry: h=10 m=15
